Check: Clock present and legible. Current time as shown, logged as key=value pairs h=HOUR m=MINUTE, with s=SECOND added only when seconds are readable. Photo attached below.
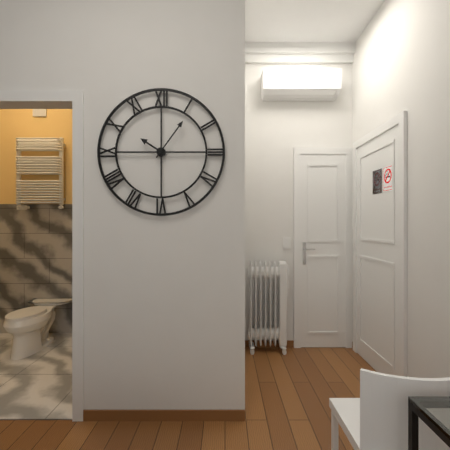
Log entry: h=10 m=6
